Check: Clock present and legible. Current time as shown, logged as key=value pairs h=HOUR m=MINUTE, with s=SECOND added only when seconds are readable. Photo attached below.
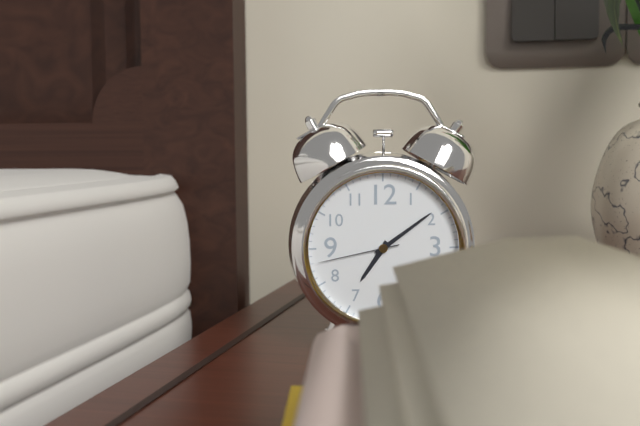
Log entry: h=7 m=9 s=43
